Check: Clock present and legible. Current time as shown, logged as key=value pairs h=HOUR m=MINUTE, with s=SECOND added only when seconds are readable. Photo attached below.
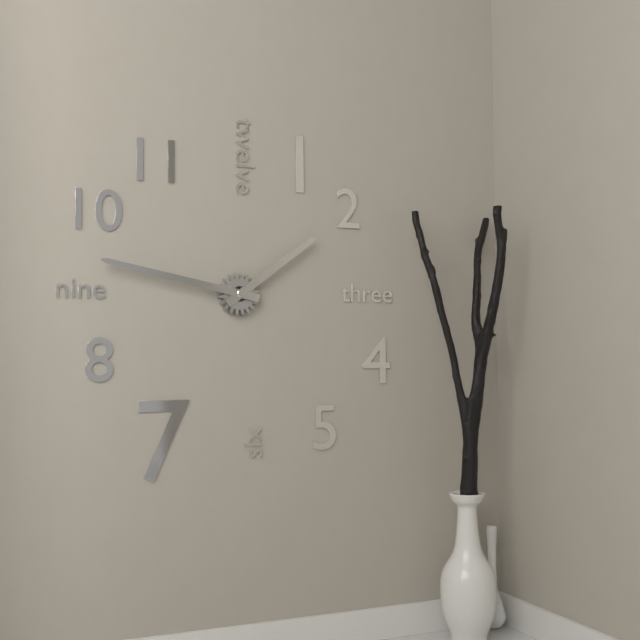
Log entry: h=1 m=47
